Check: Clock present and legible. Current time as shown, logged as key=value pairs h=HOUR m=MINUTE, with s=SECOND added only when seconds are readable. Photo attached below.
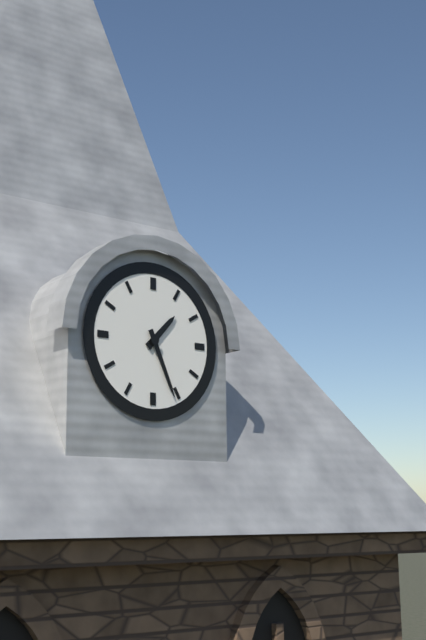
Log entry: h=1 m=26
